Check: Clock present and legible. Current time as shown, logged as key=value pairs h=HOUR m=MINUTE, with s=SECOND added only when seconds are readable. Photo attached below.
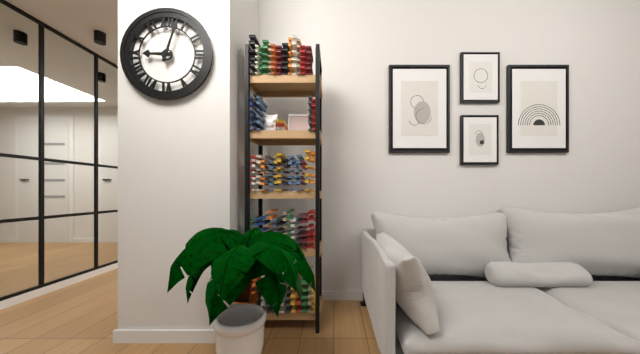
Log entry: h=9 m=3
